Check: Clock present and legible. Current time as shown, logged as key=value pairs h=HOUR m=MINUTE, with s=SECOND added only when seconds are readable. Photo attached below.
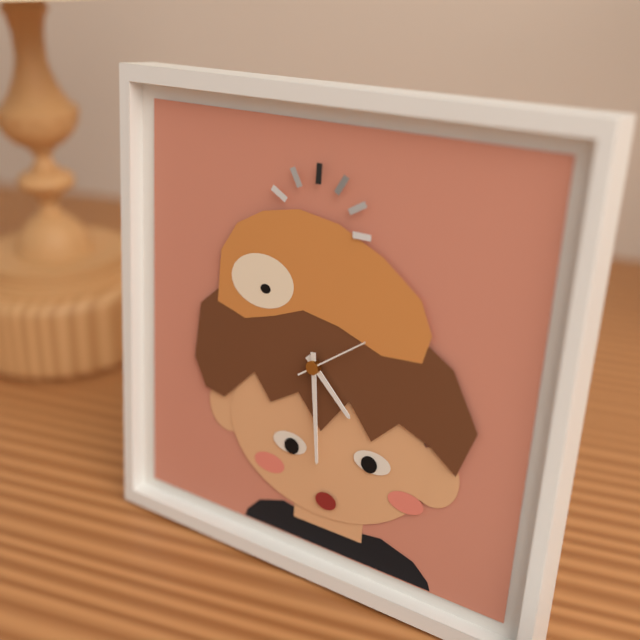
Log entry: h=4 m=29 s=9
